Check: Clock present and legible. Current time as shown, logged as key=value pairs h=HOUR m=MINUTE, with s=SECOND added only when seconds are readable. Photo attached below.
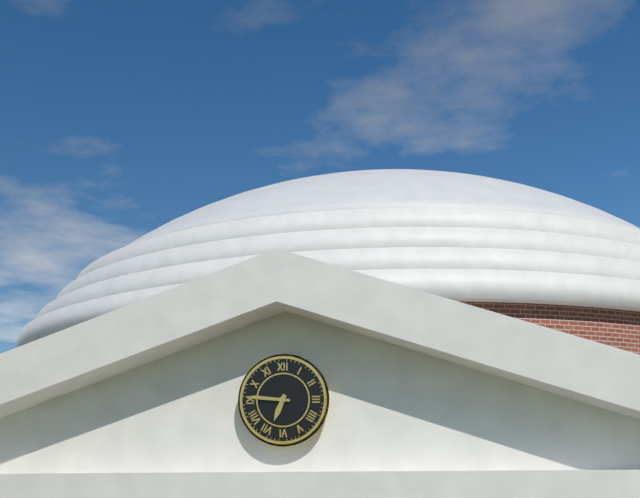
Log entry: h=6 m=46
